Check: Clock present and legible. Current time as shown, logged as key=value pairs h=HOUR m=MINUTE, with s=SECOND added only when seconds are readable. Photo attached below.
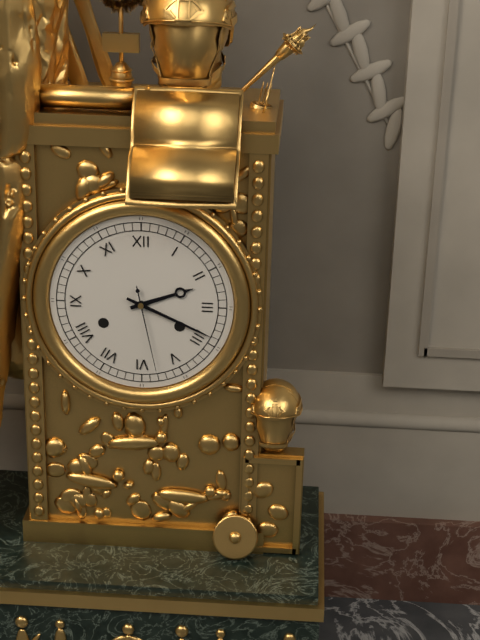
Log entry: h=2 m=19 s=28
